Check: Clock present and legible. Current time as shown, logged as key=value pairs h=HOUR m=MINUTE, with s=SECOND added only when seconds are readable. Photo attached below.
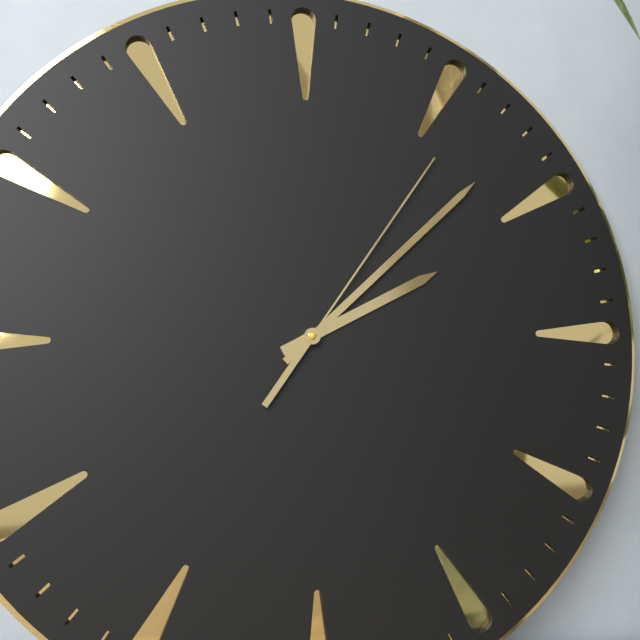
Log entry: h=2 m=8 s=6
